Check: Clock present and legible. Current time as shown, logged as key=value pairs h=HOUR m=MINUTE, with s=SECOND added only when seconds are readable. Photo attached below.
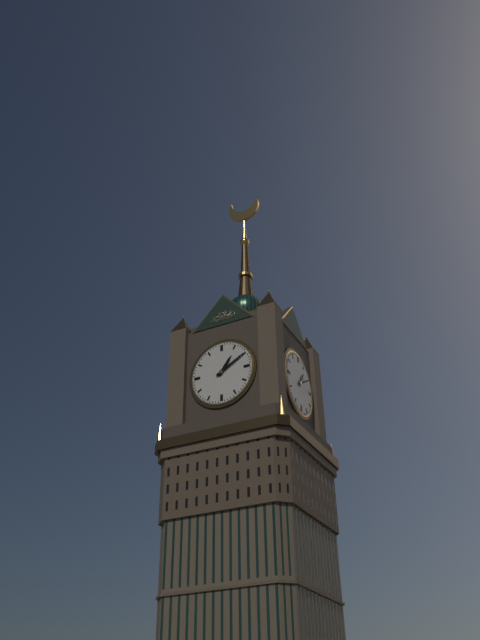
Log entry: h=1 m=10
